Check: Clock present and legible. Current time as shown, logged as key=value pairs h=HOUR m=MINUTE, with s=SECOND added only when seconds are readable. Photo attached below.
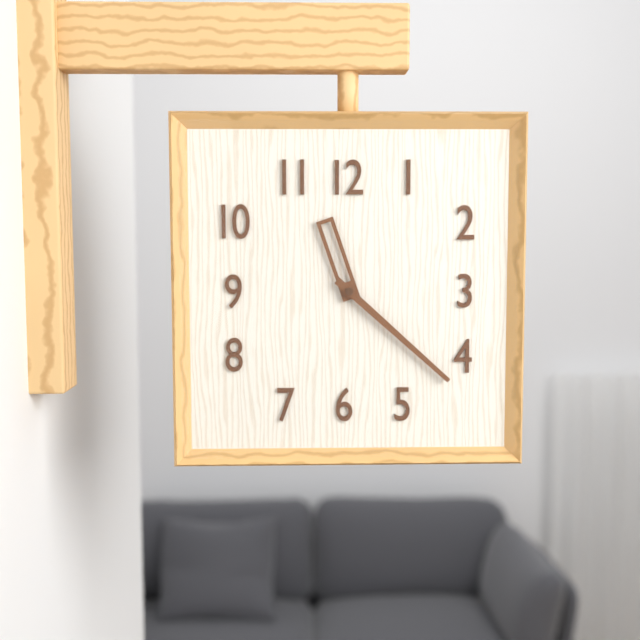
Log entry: h=11 m=22
